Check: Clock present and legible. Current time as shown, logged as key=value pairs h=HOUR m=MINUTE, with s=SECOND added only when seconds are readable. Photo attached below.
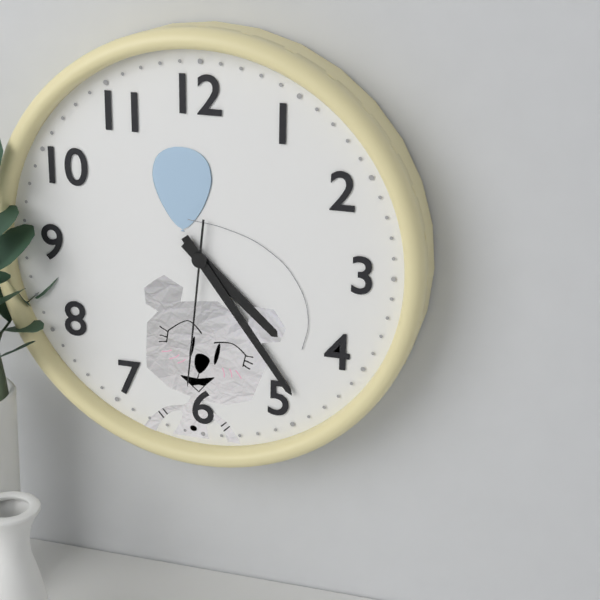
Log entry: h=4 m=24 s=31
